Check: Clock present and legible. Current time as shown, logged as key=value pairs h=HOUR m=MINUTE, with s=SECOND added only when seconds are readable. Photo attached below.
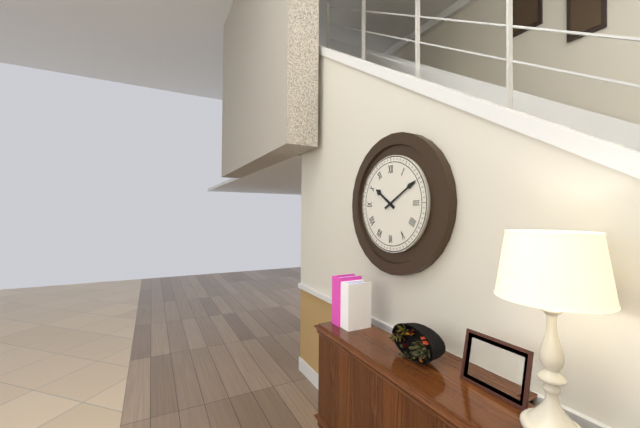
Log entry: h=10 m=10
